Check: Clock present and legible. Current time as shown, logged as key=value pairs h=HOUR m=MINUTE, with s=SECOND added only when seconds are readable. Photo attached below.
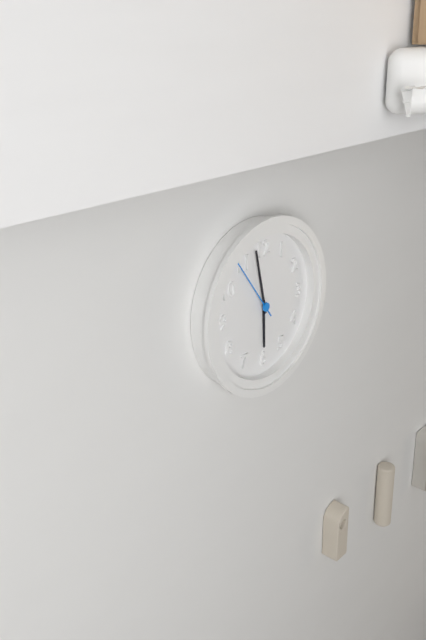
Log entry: h=5 m=58 s=54
